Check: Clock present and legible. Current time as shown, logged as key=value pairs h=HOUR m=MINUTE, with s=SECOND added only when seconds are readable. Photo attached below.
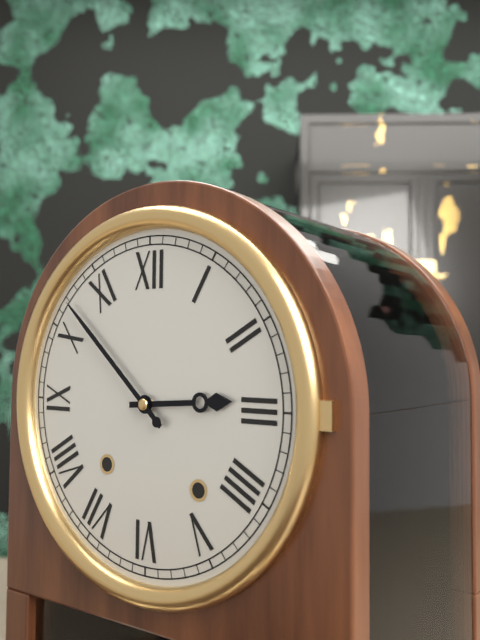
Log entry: h=2 m=52
